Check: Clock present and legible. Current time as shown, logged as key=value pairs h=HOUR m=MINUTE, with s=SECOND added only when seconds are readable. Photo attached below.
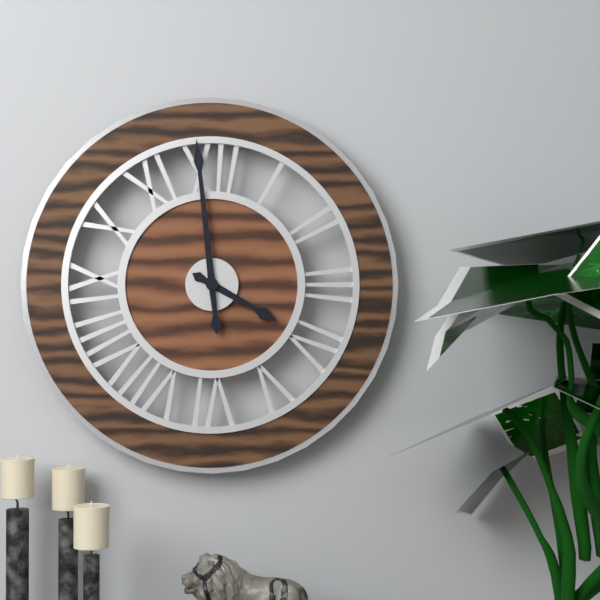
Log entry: h=3 m=59
